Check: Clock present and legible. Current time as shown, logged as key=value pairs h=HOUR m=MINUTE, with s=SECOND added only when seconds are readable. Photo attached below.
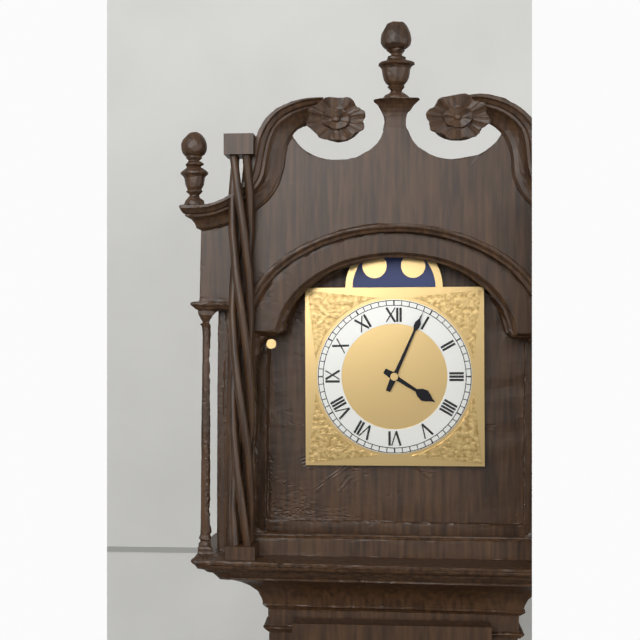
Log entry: h=4 m=4
